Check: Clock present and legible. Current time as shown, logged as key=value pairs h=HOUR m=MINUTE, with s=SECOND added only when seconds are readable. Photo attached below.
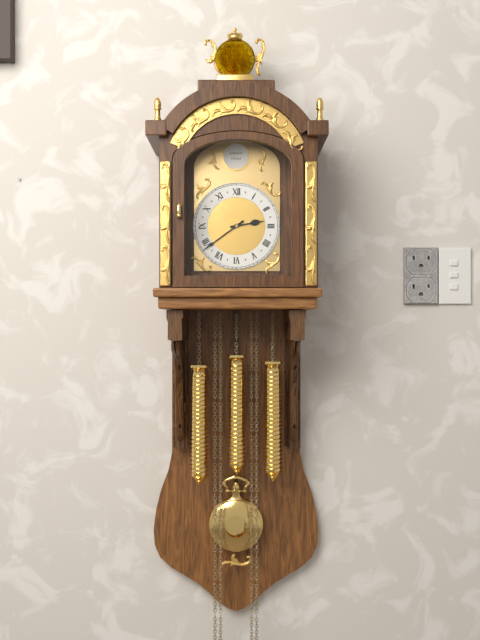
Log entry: h=2 m=39
